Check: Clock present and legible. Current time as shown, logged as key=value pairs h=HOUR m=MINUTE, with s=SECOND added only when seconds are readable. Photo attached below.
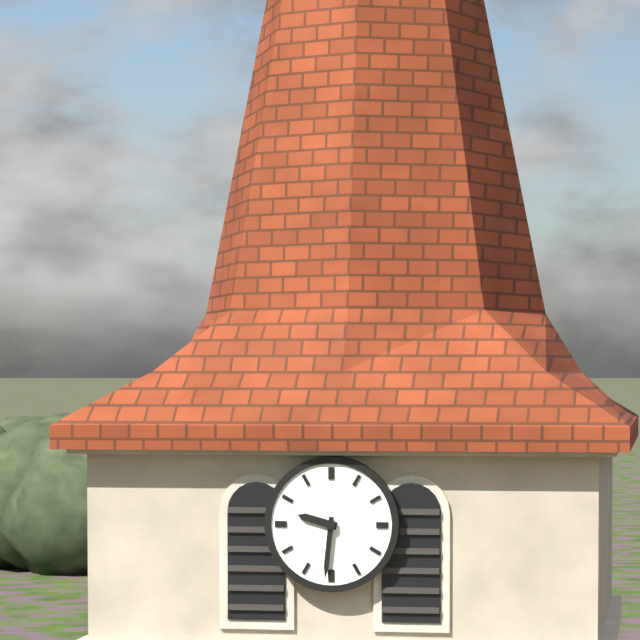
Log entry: h=9 m=31
